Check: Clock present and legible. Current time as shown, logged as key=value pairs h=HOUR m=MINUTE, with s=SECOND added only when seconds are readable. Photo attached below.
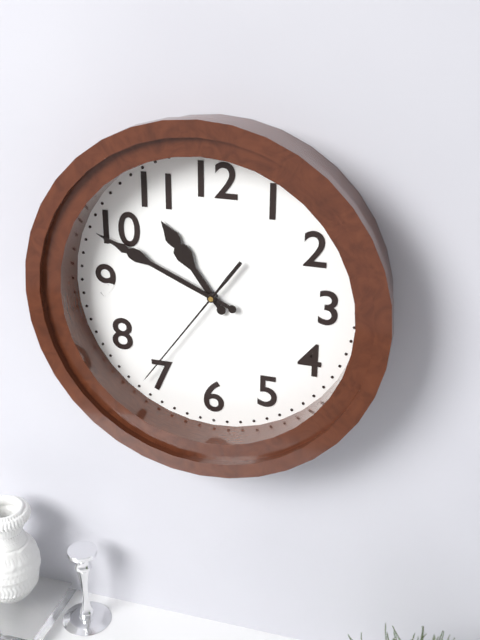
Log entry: h=10 m=49 s=36
